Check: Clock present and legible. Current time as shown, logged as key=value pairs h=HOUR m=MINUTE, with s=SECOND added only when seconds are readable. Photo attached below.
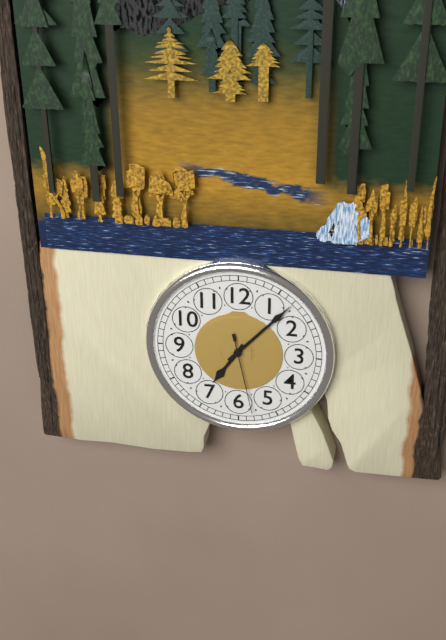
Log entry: h=7 m=7 s=28
